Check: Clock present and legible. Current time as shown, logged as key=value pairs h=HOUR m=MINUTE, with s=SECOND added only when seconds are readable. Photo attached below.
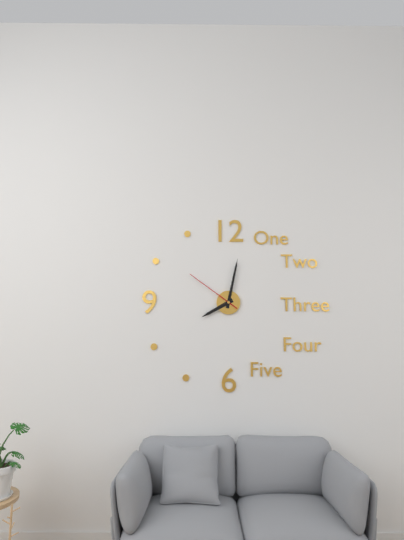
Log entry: h=8 m=2 s=51
